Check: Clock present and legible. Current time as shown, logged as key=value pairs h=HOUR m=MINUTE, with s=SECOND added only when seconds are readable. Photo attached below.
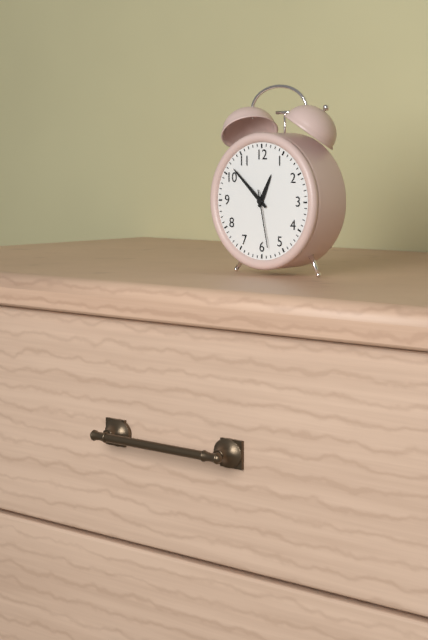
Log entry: h=12 m=52 s=28
